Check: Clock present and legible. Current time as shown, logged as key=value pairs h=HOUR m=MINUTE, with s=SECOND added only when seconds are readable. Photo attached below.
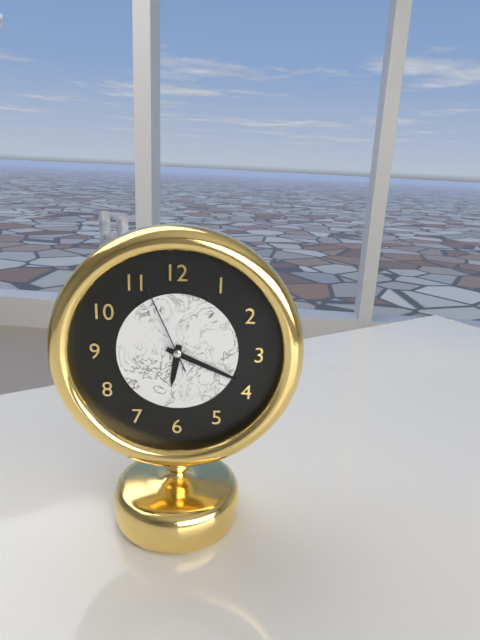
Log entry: h=6 m=19 s=56
